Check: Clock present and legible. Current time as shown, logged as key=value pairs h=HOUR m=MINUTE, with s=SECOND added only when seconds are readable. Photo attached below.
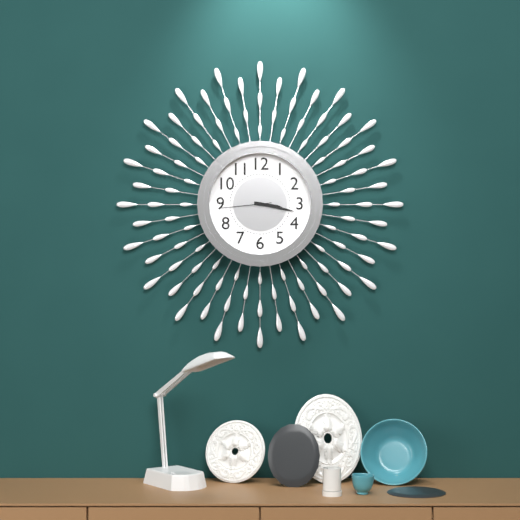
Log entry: h=3 m=17
